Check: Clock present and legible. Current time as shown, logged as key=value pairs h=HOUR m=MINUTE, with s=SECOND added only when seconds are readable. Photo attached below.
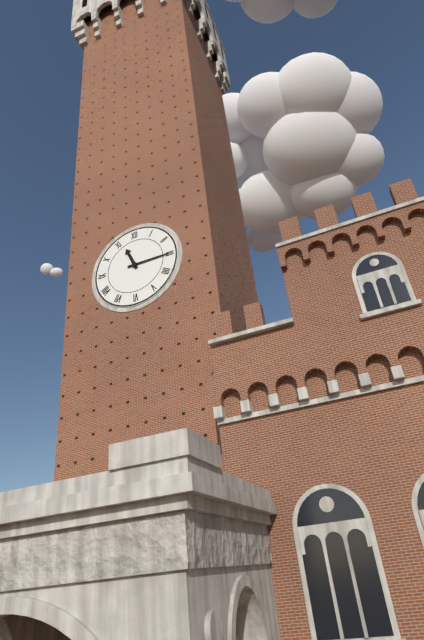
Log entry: h=11 m=15
